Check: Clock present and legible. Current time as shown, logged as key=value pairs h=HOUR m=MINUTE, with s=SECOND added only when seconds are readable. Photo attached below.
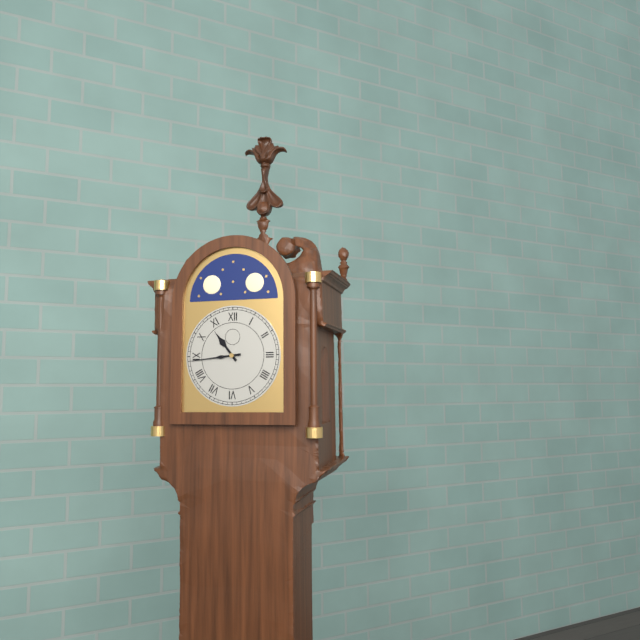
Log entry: h=10 m=44
